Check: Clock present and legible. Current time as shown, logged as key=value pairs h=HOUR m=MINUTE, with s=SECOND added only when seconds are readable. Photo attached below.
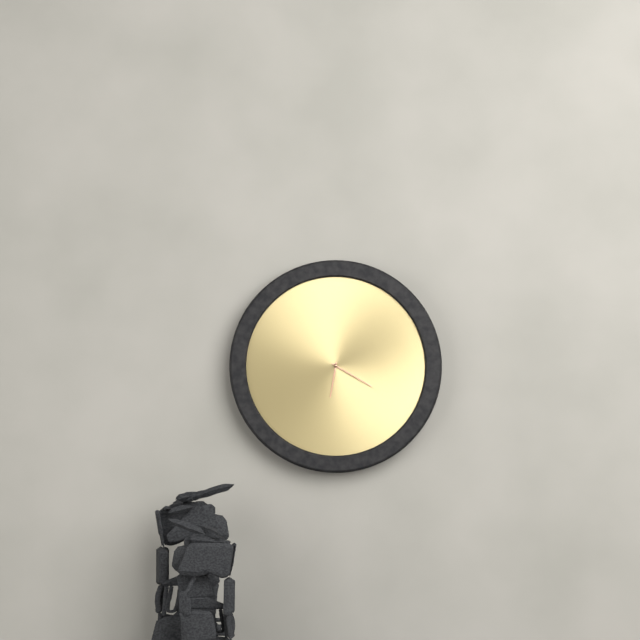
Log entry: h=6 m=20
